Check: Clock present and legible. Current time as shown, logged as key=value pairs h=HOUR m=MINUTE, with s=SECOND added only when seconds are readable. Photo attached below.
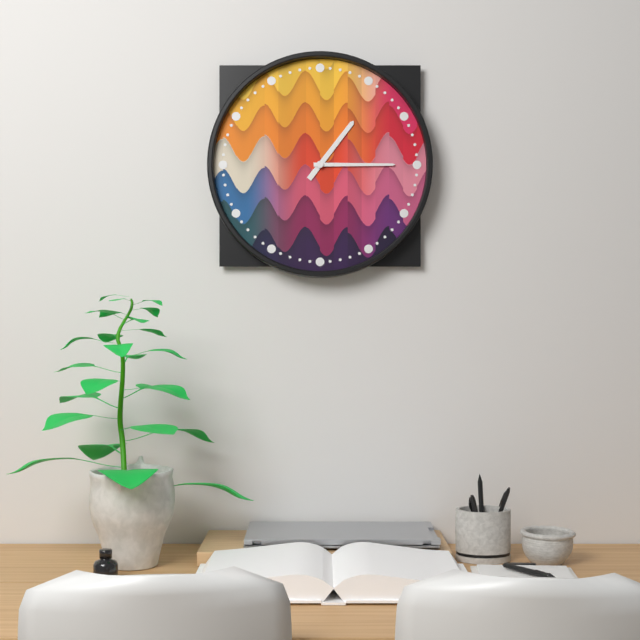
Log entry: h=1 m=15
